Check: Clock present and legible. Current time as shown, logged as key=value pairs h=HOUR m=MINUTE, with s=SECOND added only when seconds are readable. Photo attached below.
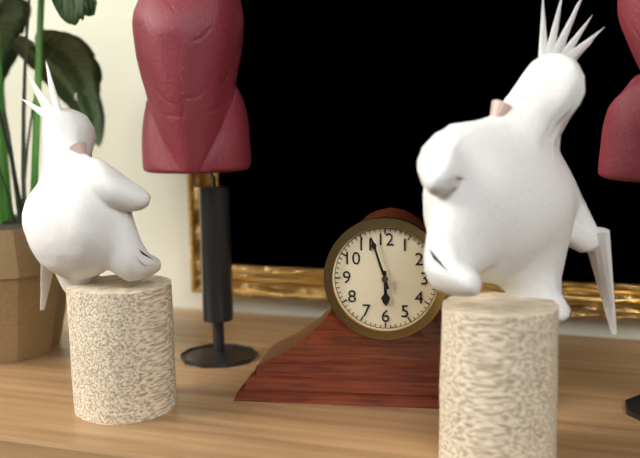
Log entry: h=5 m=57
